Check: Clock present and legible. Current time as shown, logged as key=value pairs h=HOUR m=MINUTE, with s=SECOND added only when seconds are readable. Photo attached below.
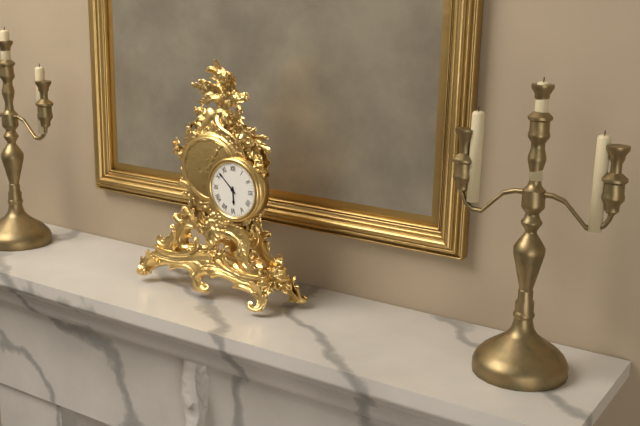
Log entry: h=5 m=52
